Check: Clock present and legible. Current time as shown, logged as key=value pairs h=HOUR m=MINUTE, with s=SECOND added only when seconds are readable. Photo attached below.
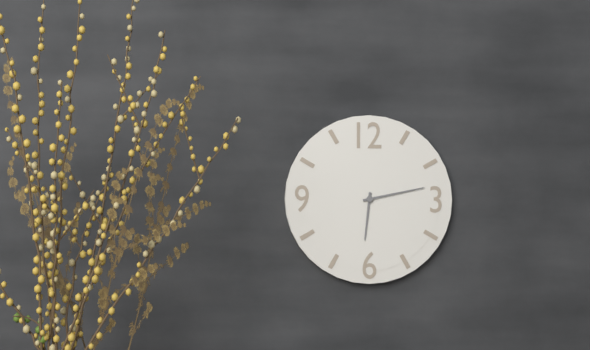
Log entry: h=6 m=13
